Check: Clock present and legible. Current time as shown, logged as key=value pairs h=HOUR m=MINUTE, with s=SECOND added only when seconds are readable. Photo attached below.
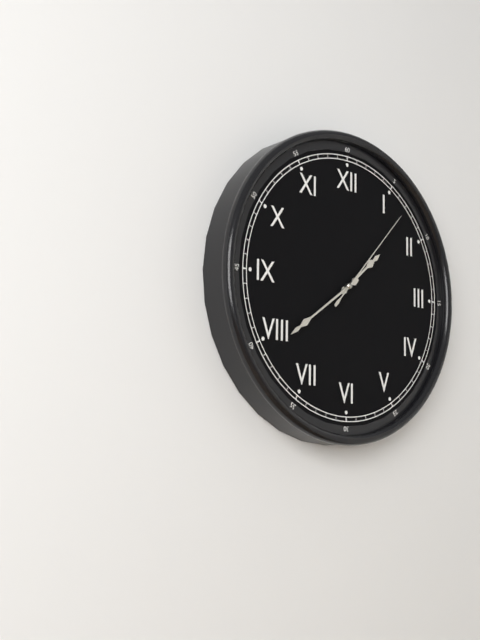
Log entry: h=1 m=39 s=7
